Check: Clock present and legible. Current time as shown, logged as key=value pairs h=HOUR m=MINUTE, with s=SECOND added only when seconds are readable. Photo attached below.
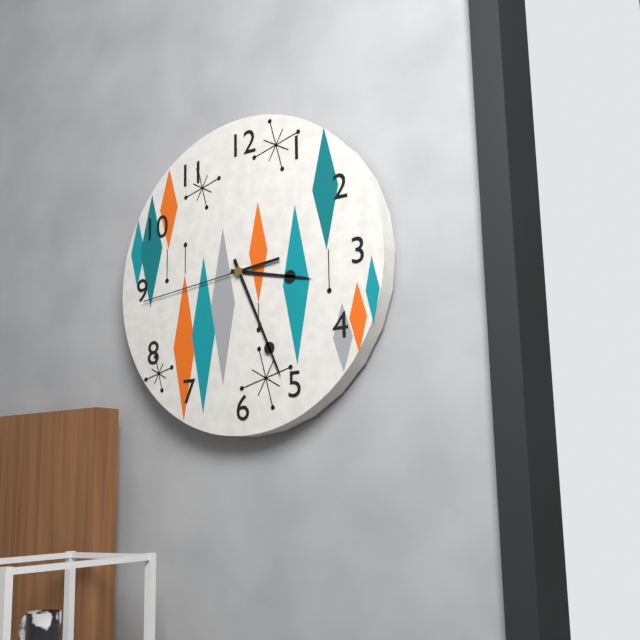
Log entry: h=3 m=26 s=44
